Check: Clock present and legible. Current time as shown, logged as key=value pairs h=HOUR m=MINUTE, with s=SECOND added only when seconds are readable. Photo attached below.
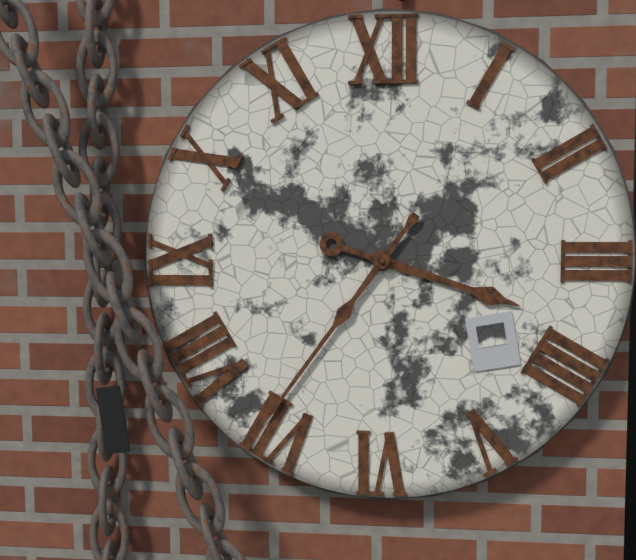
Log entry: h=3 m=36
